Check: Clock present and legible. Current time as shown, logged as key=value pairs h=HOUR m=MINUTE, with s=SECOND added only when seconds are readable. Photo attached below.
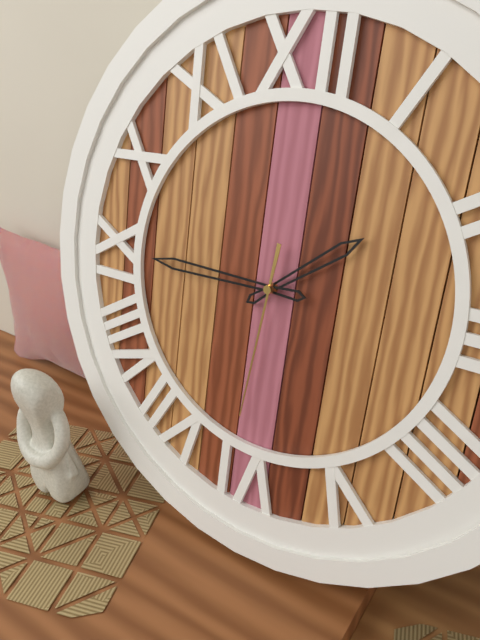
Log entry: h=1 m=45 s=31
